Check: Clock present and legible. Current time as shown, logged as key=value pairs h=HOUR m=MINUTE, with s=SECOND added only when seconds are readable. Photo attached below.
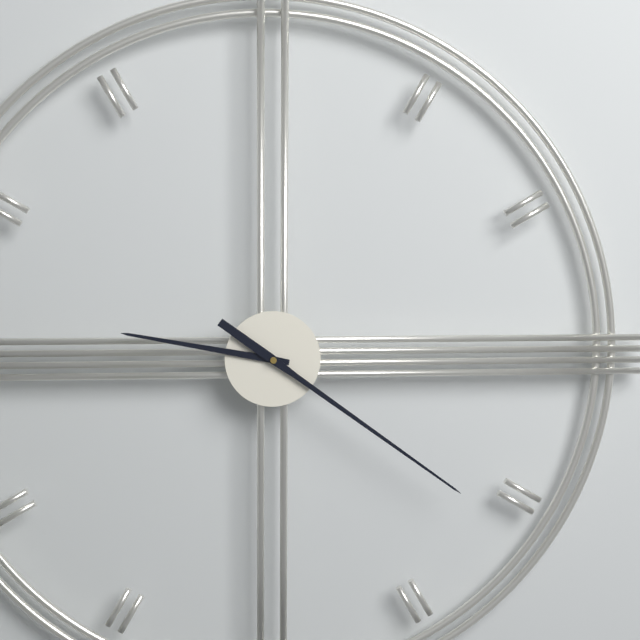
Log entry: h=9 m=21
